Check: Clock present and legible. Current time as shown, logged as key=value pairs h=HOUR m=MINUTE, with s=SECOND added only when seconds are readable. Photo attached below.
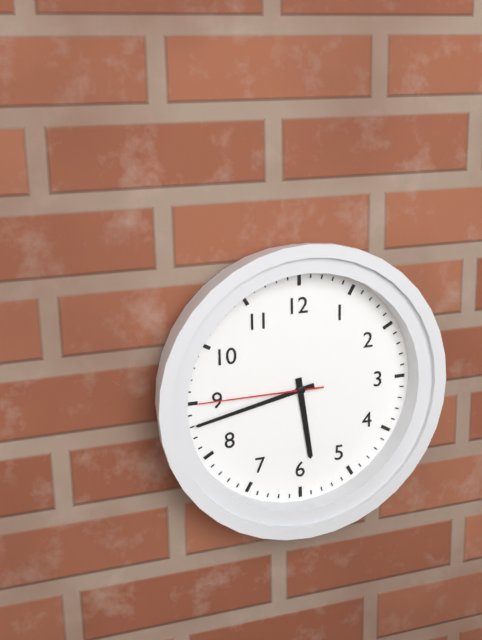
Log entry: h=5 m=43 s=45
